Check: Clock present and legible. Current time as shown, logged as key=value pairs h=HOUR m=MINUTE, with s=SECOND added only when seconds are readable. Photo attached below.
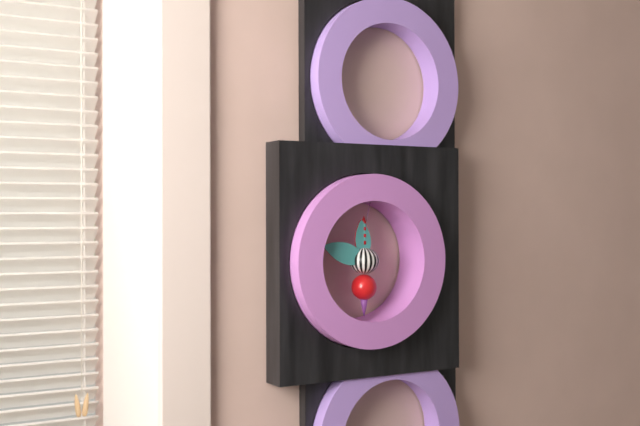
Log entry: h=11 m=48
